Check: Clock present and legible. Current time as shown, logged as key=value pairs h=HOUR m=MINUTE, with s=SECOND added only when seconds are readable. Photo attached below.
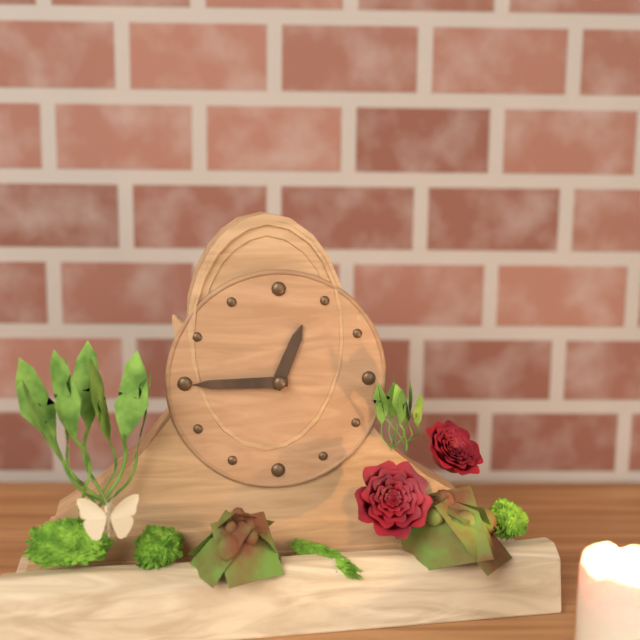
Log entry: h=12 m=45
